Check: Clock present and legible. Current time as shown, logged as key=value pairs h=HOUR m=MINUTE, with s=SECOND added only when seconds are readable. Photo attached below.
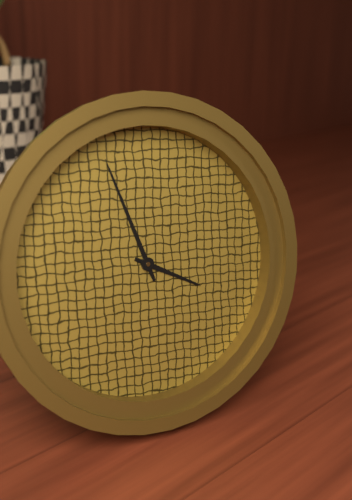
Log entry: h=3 m=57
